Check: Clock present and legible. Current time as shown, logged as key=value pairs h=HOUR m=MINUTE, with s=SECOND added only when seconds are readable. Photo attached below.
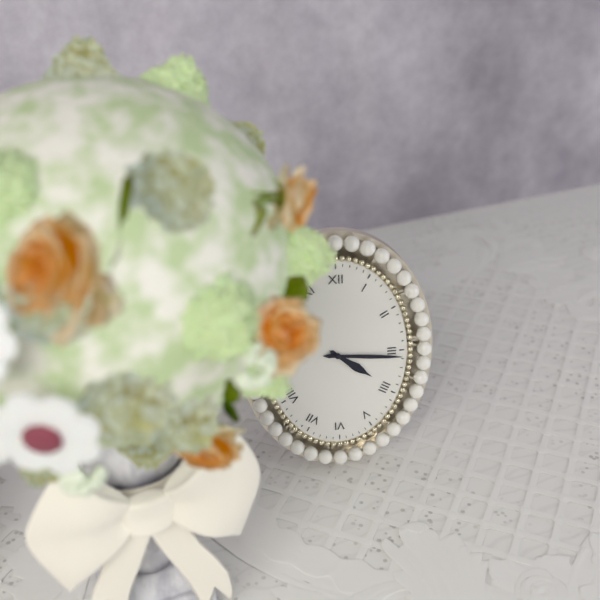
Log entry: h=4 m=16
